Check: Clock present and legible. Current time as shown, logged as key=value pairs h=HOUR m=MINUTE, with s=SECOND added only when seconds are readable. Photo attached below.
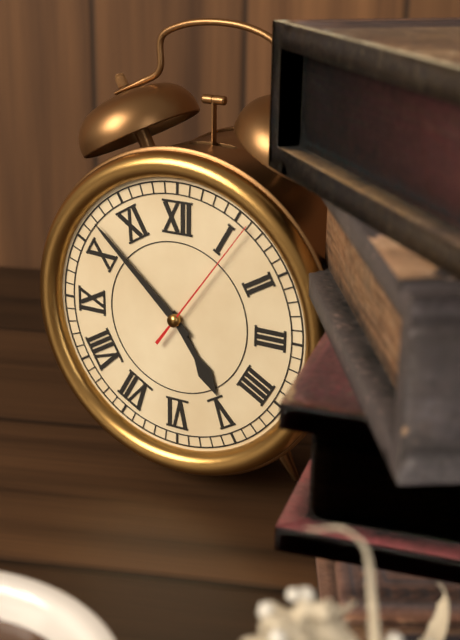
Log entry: h=4 m=52 s=6
